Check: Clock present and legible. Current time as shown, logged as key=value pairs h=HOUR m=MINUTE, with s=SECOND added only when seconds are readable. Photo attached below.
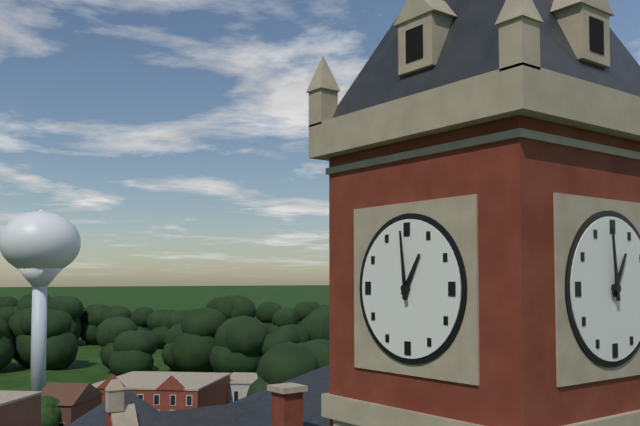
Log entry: h=12 m=59
